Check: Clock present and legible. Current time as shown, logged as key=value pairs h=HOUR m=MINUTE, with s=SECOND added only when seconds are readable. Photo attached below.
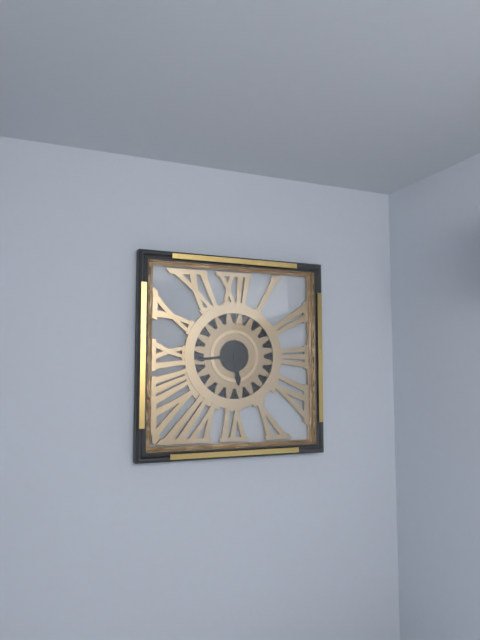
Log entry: h=5 m=44
